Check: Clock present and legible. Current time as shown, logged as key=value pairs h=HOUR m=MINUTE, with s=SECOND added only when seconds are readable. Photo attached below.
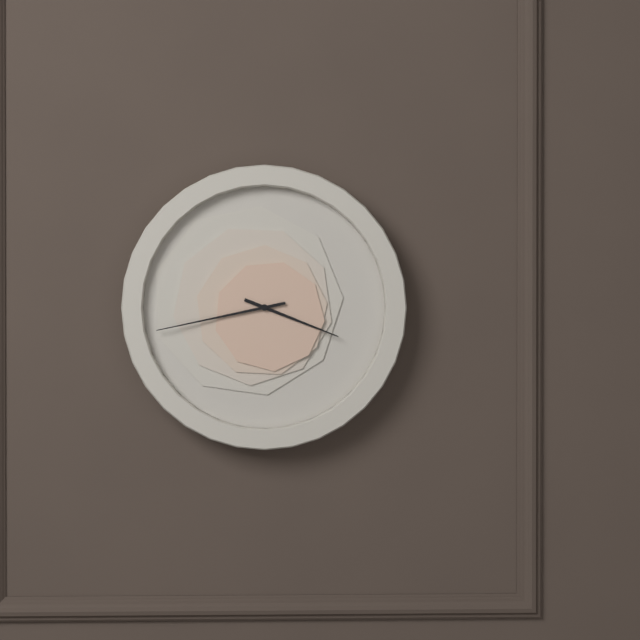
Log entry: h=3 m=43
